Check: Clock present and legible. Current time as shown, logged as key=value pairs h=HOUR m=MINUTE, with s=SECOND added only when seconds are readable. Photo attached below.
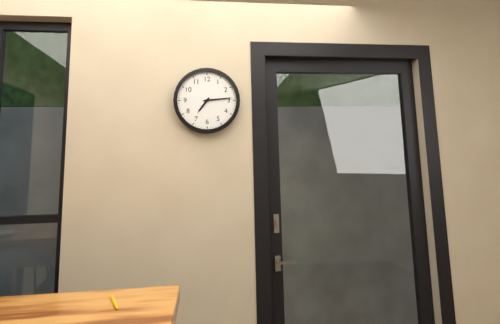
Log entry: h=7 m=14
